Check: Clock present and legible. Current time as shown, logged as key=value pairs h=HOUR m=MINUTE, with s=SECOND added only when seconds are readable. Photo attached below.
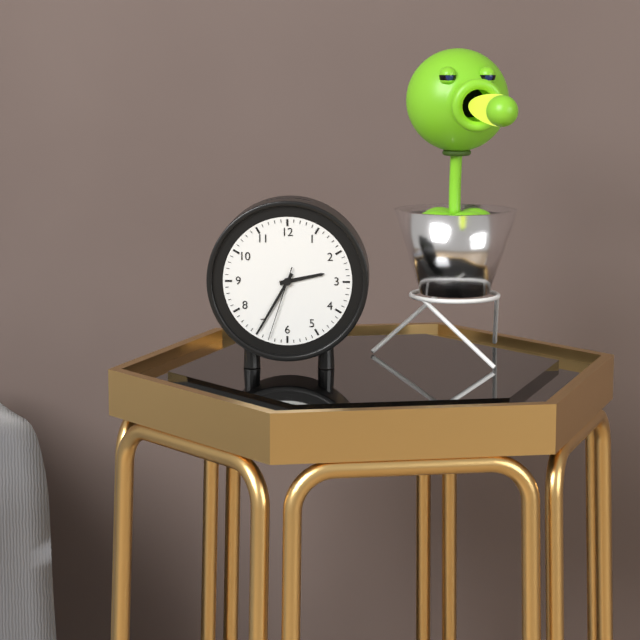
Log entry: h=2 m=35 s=33
